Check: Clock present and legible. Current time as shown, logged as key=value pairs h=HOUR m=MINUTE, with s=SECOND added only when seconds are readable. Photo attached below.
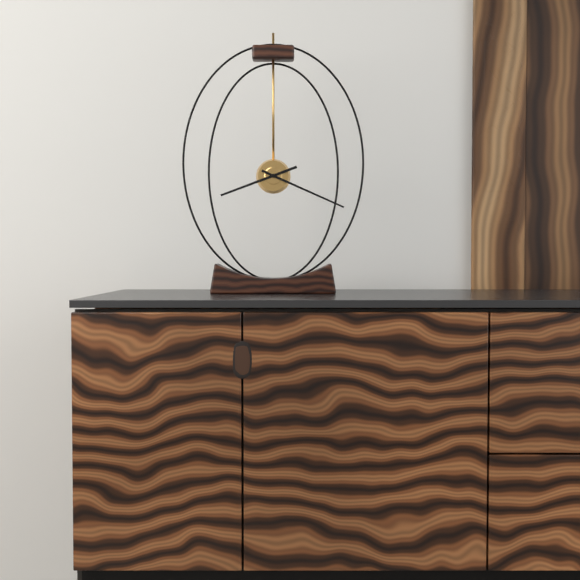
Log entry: h=8 m=19
